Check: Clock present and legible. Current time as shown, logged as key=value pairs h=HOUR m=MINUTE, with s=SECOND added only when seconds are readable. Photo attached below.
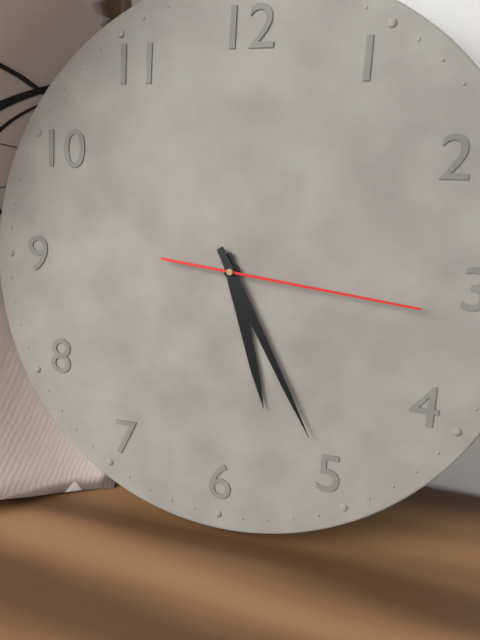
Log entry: h=5 m=25 s=16
